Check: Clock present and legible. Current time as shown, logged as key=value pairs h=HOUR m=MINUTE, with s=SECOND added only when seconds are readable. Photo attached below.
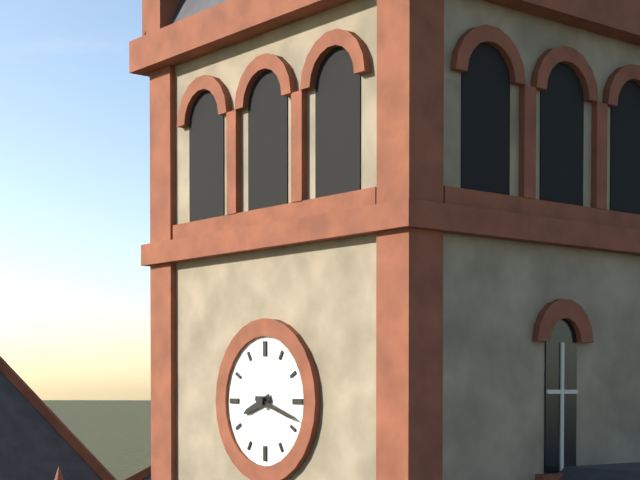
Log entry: h=8 m=18
